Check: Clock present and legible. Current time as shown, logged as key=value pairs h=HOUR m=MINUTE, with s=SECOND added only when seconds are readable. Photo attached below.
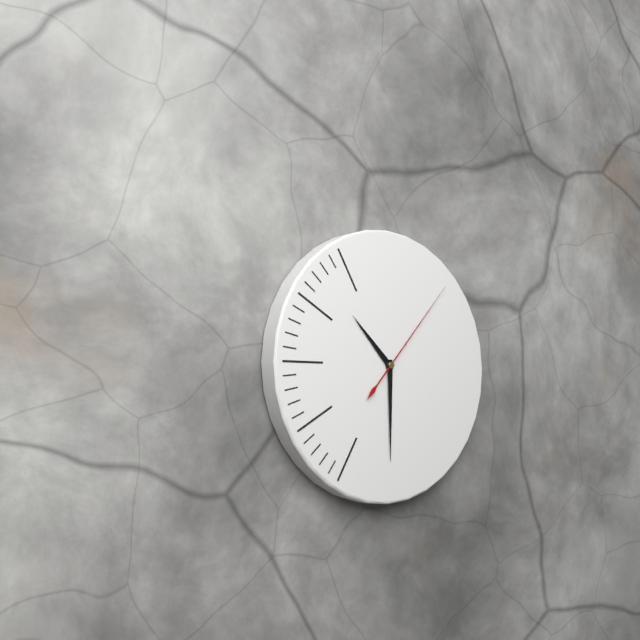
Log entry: h=10 m=30 s=7
